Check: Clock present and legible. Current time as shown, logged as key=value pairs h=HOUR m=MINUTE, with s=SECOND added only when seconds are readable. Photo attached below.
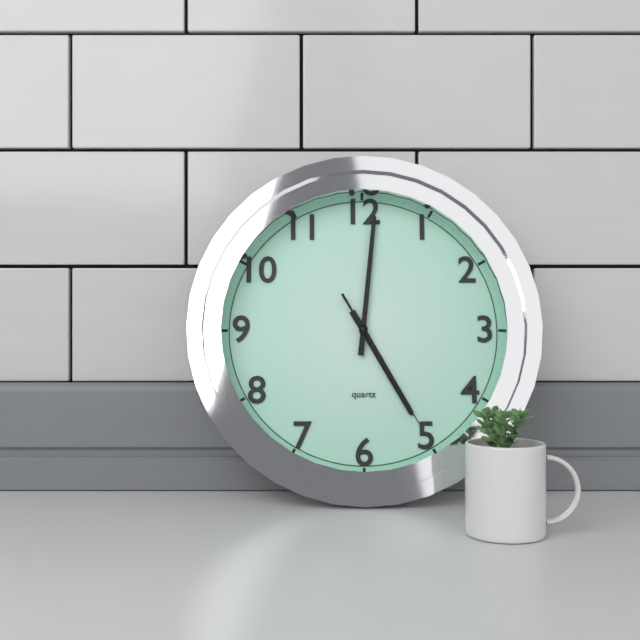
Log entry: h=5 m=1 s=25
